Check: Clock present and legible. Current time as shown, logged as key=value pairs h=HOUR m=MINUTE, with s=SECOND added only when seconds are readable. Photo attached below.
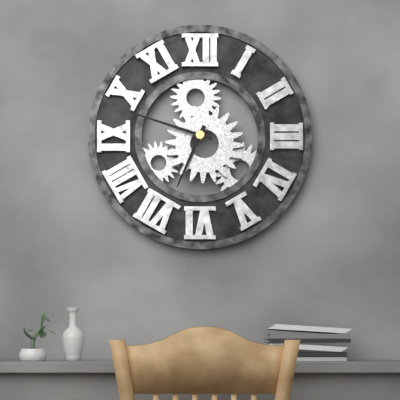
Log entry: h=6 m=48
